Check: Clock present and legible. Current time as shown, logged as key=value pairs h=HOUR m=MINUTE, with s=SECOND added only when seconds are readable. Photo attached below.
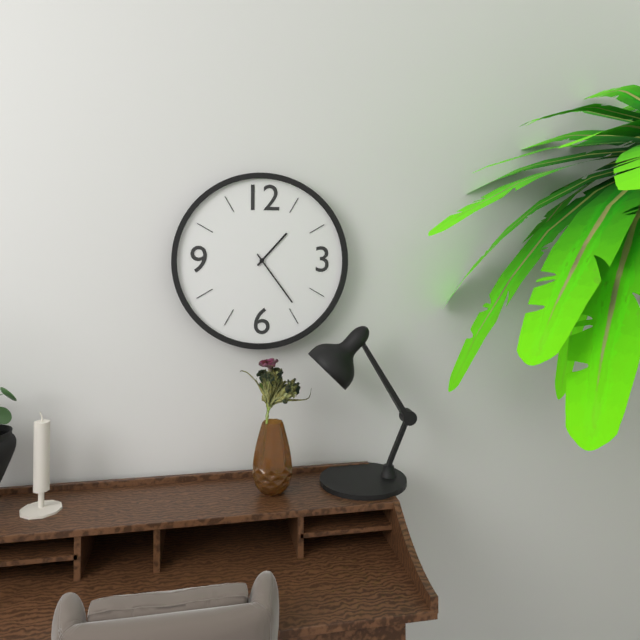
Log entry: h=1 m=24
